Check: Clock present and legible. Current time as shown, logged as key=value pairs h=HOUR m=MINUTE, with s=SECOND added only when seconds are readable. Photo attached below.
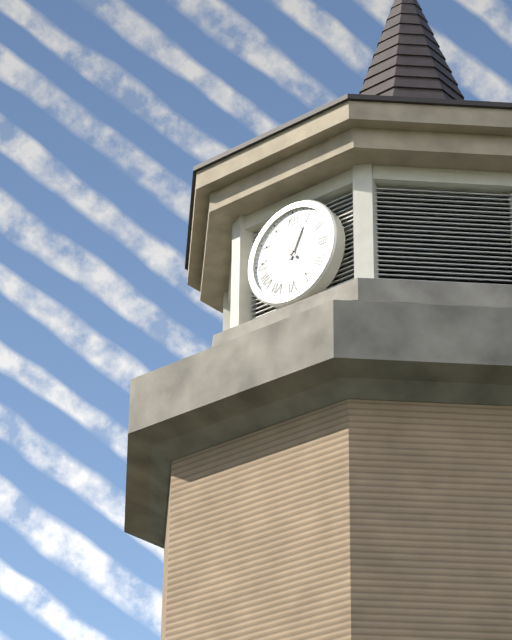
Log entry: h=12 m=53
